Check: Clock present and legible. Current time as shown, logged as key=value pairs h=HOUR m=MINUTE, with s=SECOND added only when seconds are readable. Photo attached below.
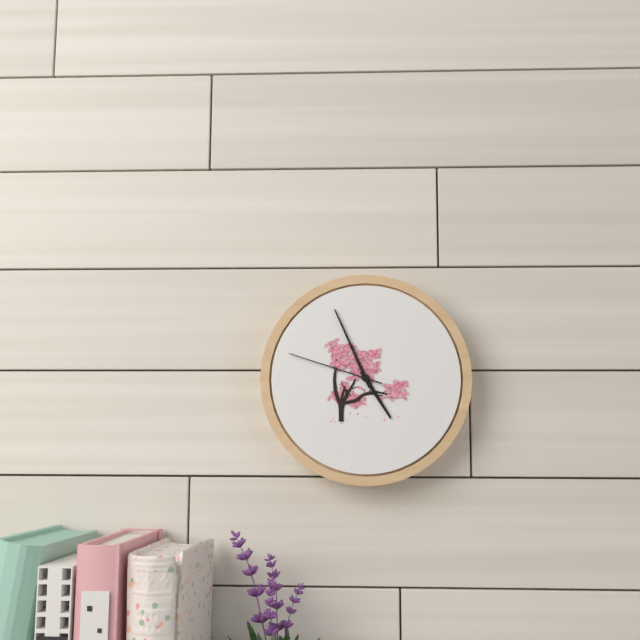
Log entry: h=4 m=56 s=48
